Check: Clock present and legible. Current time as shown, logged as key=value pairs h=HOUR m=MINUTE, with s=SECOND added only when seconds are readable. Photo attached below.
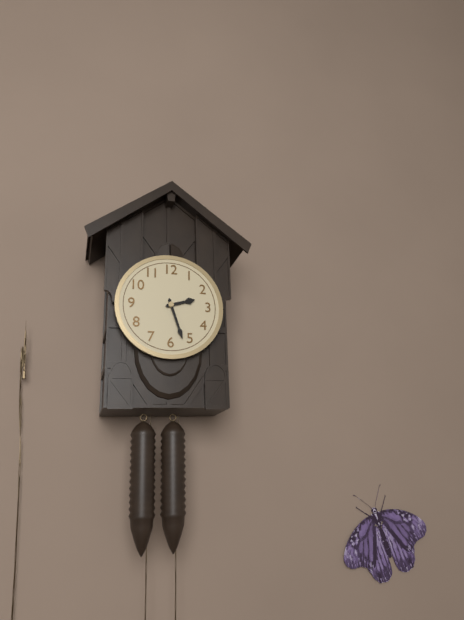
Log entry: h=2 m=27
